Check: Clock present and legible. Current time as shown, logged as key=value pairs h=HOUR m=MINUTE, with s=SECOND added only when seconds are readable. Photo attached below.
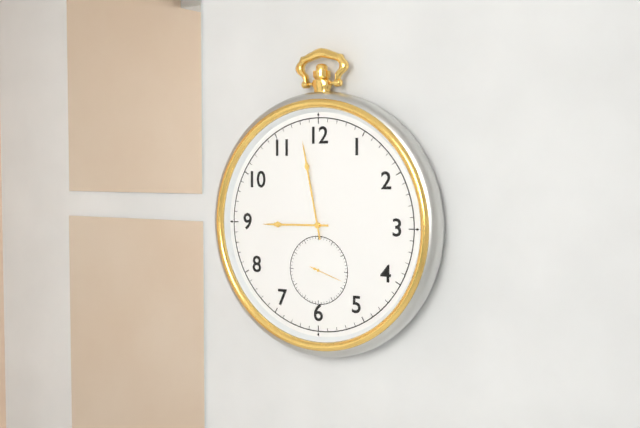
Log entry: h=8 m=58
